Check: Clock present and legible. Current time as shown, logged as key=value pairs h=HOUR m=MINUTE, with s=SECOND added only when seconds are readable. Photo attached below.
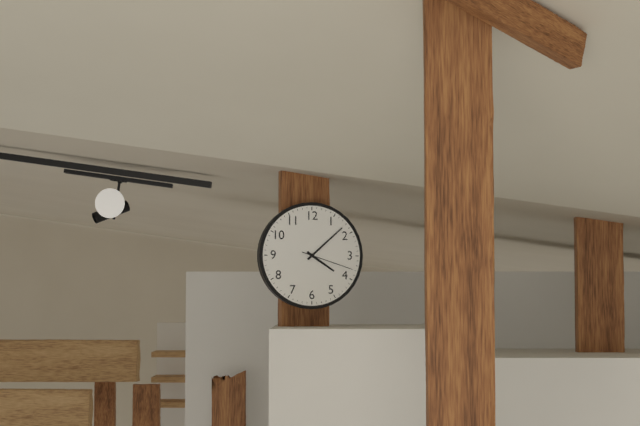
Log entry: h=4 m=8 s=18
